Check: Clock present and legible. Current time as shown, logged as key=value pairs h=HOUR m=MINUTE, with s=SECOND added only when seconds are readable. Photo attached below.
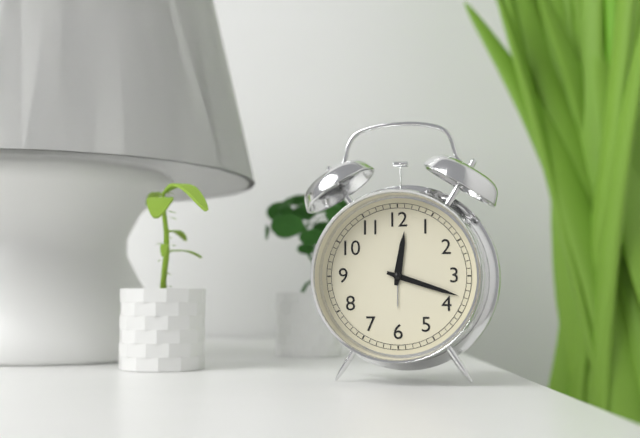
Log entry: h=12 m=18
